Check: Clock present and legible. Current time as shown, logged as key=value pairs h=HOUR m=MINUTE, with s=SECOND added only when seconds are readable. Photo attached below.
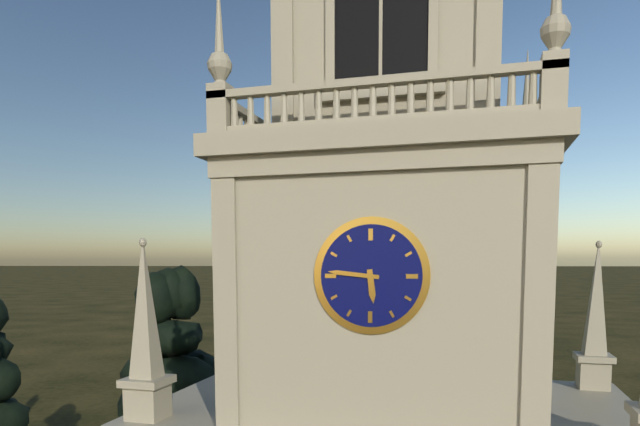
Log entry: h=5 m=46
